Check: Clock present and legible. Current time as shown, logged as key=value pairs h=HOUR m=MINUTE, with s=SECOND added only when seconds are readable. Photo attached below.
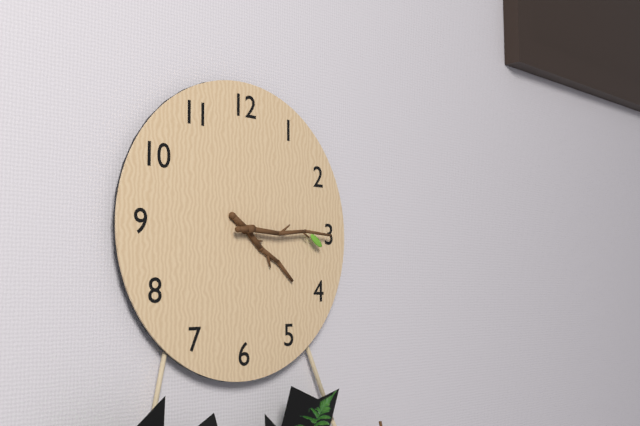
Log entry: h=4 m=15
